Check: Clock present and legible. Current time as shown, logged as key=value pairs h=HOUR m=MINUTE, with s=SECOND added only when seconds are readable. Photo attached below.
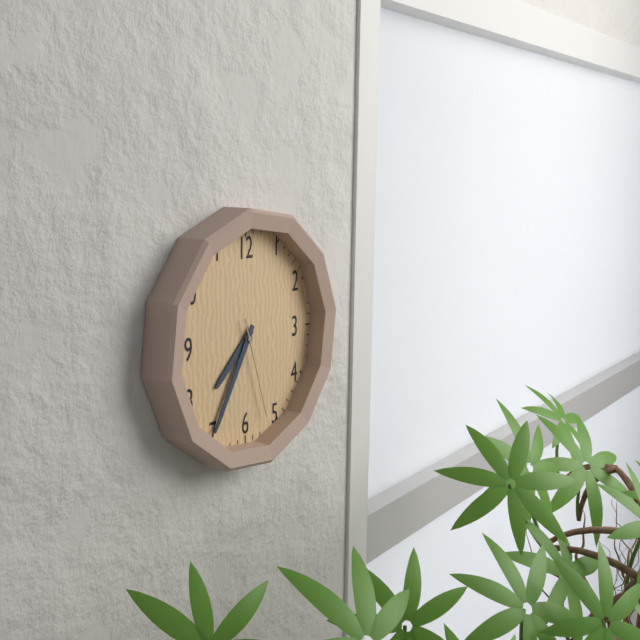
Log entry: h=7 m=35 s=27
